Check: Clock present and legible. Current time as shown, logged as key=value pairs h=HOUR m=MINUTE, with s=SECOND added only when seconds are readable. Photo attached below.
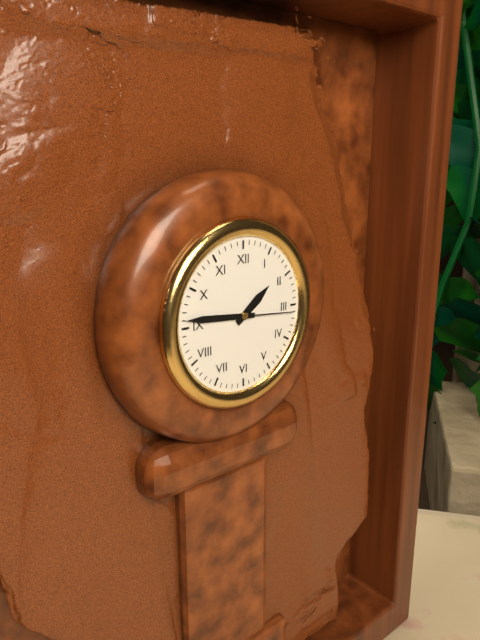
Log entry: h=1 m=46 s=16
